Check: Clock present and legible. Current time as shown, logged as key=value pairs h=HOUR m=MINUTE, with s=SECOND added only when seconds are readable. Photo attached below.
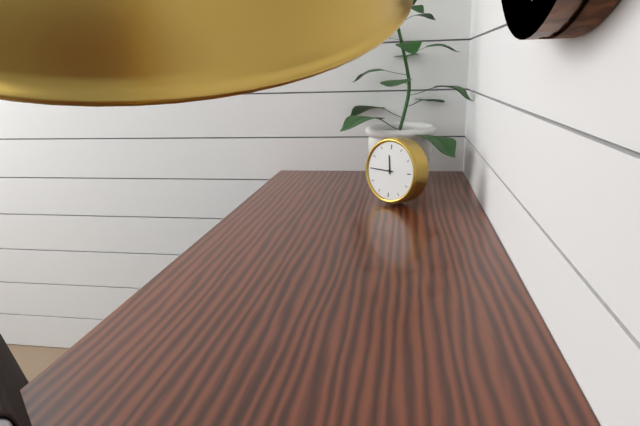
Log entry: h=11 m=45
